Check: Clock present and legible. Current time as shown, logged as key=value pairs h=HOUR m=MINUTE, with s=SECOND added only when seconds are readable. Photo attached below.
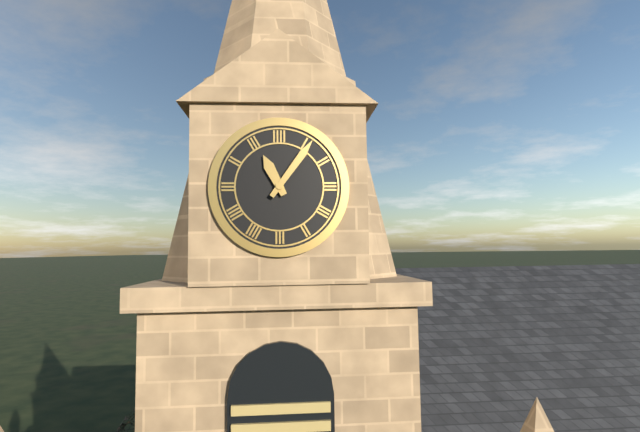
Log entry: h=11 m=6
